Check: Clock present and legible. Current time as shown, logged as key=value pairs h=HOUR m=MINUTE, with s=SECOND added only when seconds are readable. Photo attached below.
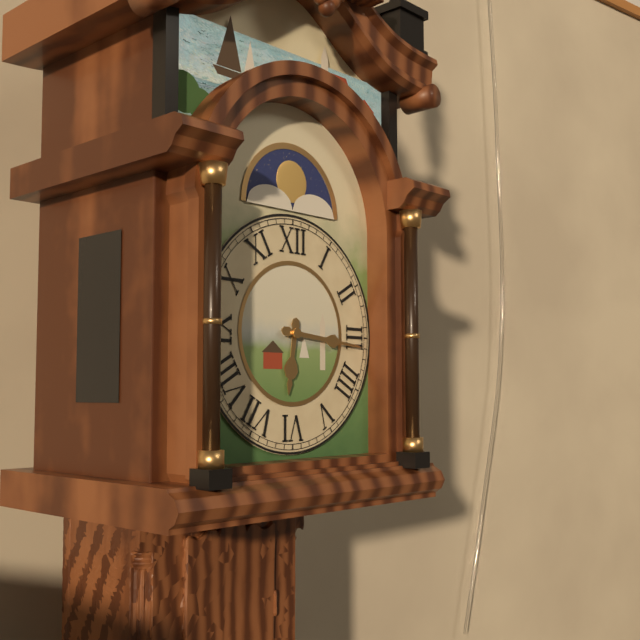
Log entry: h=6 m=16
